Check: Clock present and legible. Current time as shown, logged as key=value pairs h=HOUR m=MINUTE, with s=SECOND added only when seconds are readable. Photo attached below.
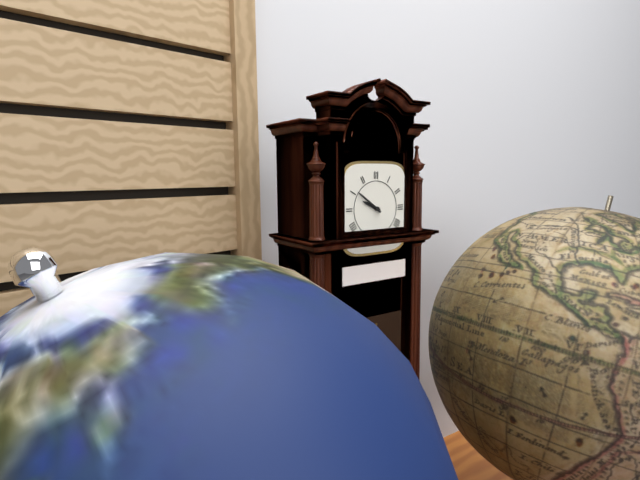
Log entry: h=9 m=51
